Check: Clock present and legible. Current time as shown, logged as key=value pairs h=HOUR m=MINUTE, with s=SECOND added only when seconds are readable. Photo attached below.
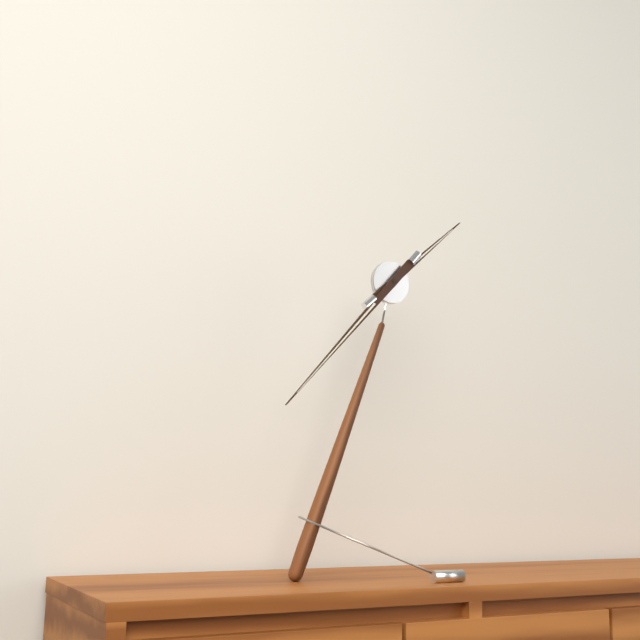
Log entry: h=1 m=37
